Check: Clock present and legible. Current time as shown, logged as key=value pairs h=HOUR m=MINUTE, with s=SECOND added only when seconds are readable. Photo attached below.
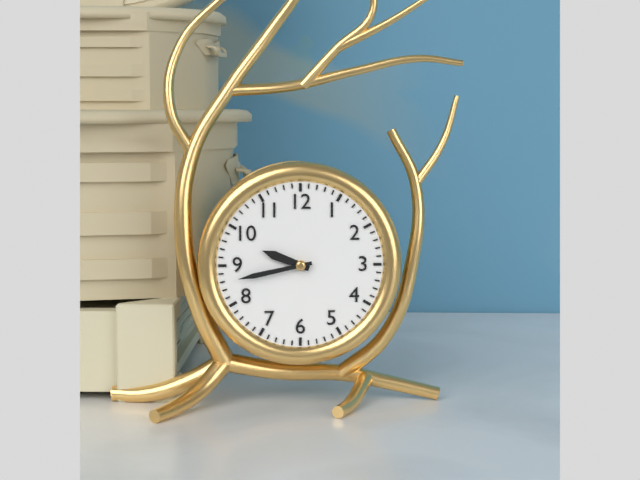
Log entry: h=9 m=43
